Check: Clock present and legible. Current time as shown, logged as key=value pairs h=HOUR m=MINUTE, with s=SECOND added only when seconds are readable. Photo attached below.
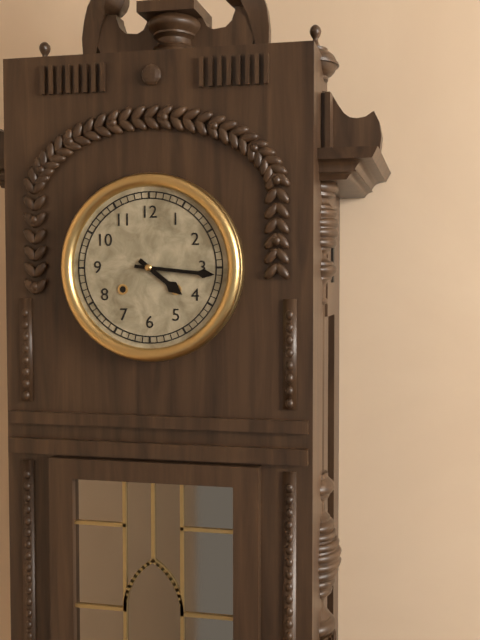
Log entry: h=4 m=16
